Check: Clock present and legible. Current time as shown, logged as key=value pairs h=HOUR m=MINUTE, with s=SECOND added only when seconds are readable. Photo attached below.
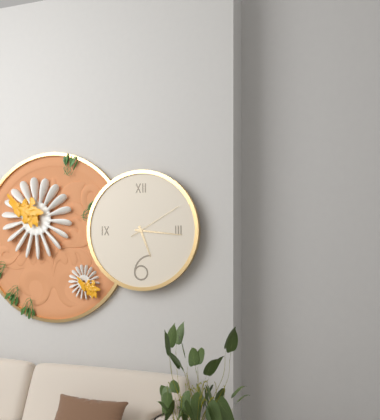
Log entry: h=5 m=16 s=10
